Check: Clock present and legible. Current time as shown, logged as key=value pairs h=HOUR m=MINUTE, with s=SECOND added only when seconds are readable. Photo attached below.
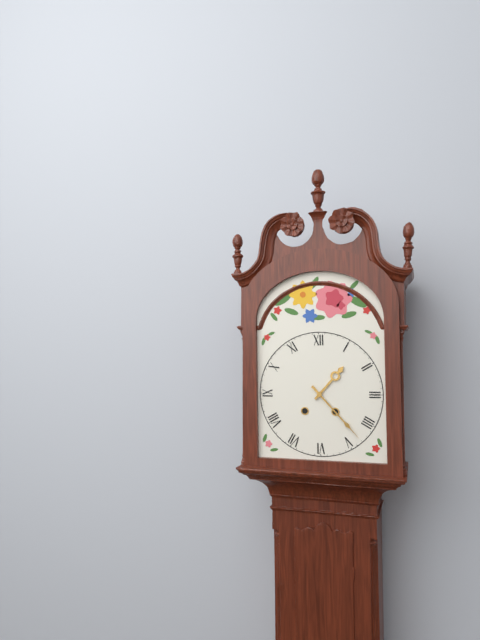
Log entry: h=1 m=23
